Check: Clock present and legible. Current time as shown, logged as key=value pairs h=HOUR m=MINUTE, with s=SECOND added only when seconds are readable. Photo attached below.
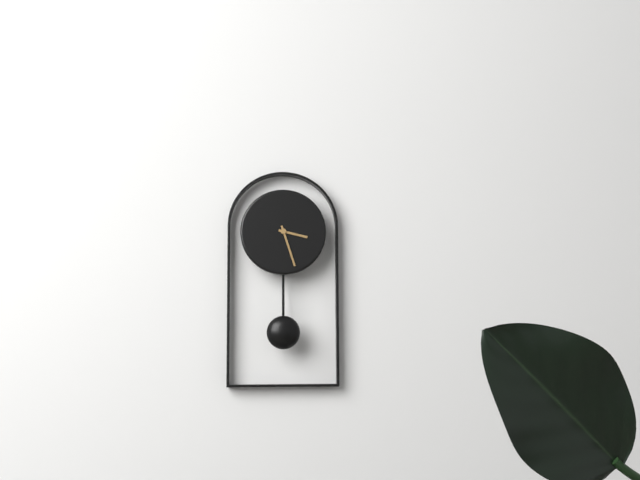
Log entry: h=3 m=27
